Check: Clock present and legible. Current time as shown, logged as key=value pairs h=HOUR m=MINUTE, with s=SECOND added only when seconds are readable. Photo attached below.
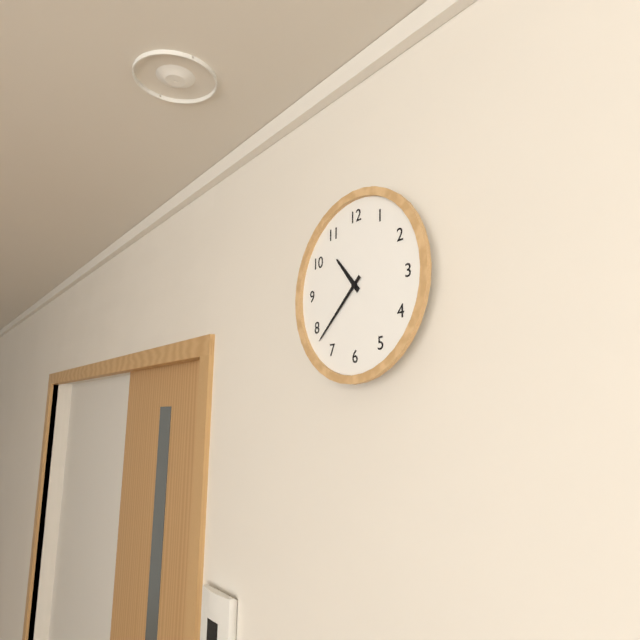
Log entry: h=10 m=38
